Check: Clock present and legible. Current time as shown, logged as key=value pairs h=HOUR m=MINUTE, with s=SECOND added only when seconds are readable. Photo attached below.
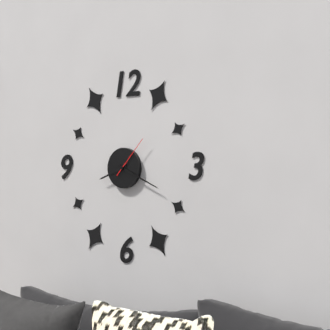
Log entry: h=8 m=19
